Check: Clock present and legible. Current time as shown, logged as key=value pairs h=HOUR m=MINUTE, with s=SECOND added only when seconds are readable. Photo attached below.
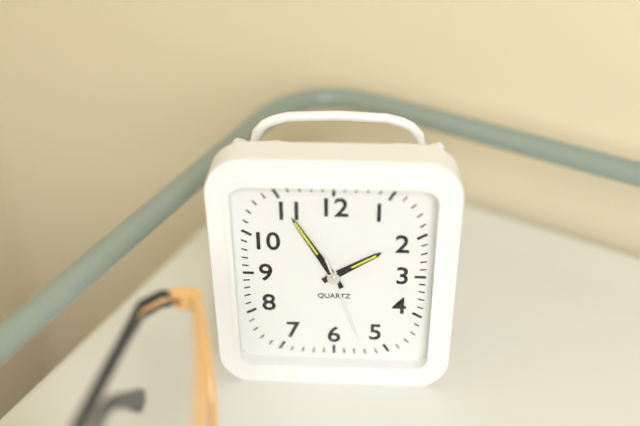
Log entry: h=1 m=55 s=27
